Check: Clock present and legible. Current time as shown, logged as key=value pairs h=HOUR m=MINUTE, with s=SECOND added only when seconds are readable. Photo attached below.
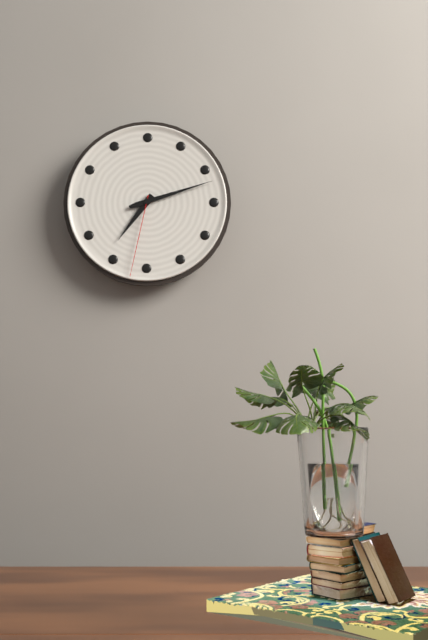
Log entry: h=7 m=12 s=32
